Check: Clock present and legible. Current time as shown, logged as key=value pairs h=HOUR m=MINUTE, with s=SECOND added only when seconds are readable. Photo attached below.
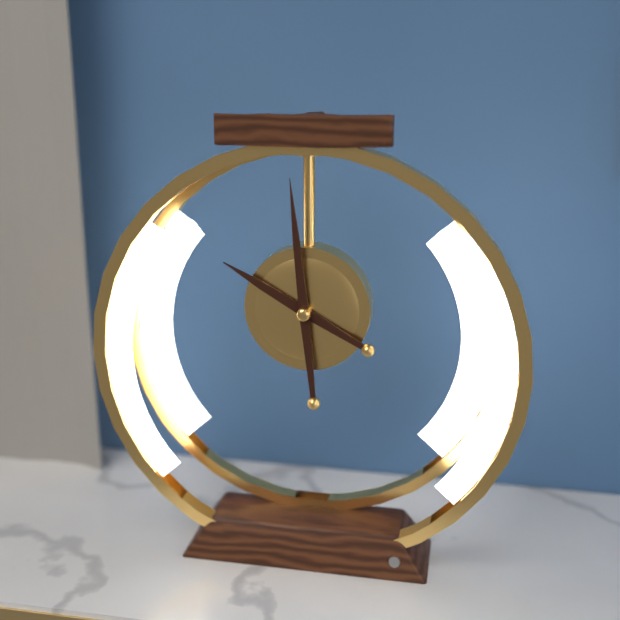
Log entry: h=9 m=59
